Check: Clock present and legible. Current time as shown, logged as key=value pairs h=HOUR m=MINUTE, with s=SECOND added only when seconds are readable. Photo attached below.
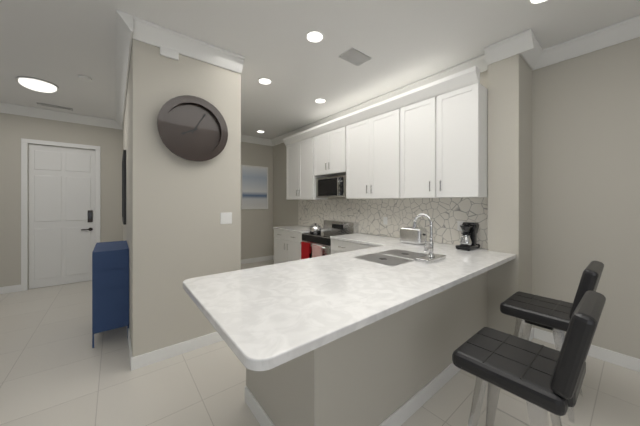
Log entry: h=8 m=5
